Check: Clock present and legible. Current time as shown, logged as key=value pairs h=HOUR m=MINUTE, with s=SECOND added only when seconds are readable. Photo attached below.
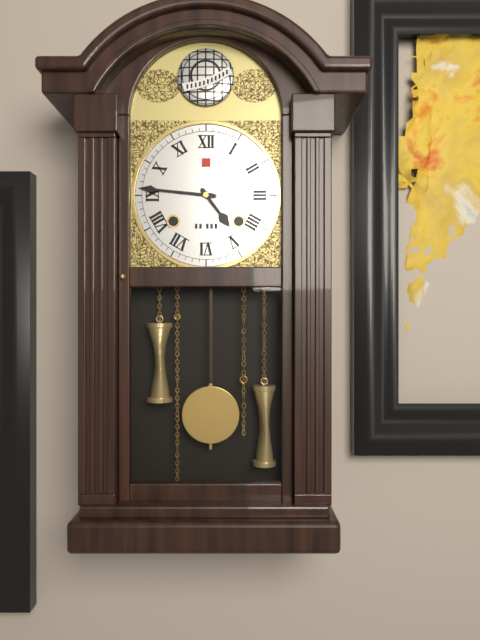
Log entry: h=4 m=46
